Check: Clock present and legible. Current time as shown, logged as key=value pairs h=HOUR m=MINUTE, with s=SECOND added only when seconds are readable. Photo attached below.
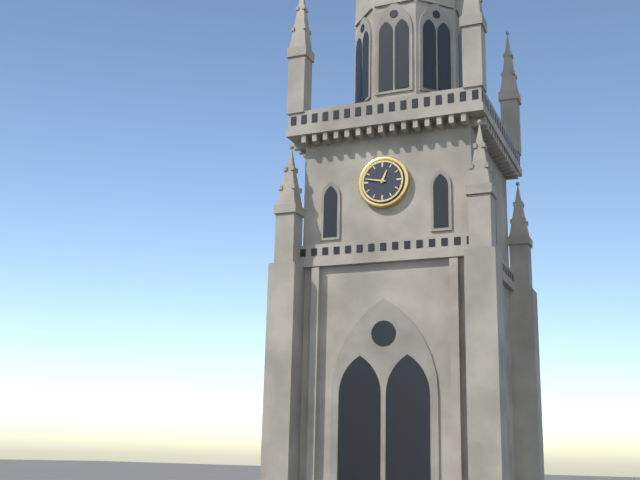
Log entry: h=12 m=47
